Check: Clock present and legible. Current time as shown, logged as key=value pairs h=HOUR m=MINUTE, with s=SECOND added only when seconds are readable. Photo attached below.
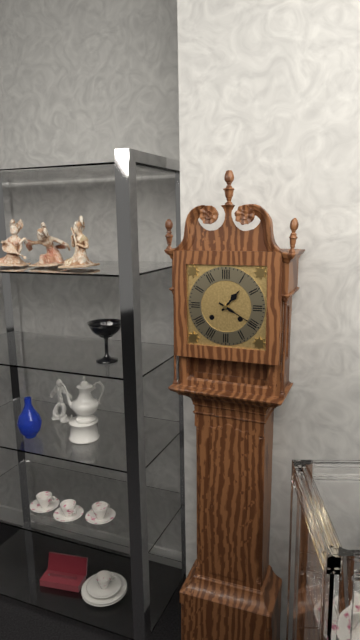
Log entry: h=1 m=20
